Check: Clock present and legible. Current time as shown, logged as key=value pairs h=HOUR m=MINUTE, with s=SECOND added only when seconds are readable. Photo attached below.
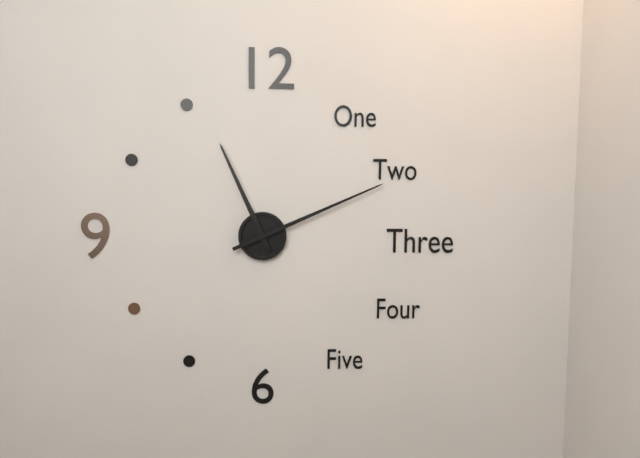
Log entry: h=11 m=11
